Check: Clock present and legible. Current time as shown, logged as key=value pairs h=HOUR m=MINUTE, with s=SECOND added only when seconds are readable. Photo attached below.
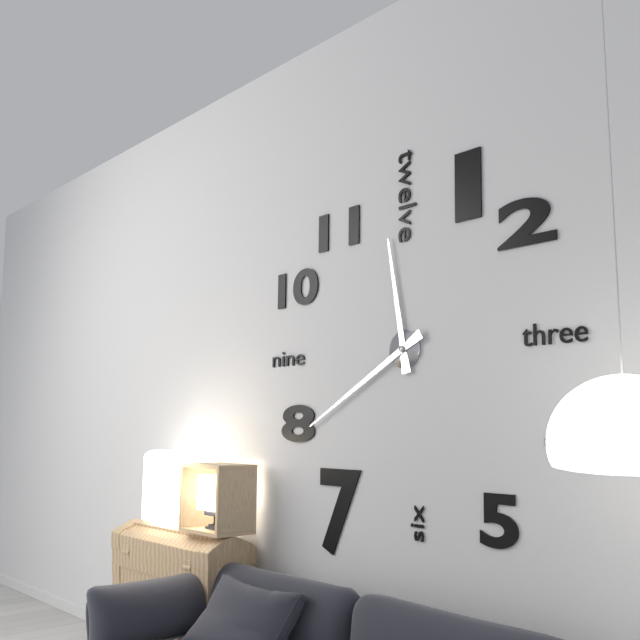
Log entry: h=11 m=40
